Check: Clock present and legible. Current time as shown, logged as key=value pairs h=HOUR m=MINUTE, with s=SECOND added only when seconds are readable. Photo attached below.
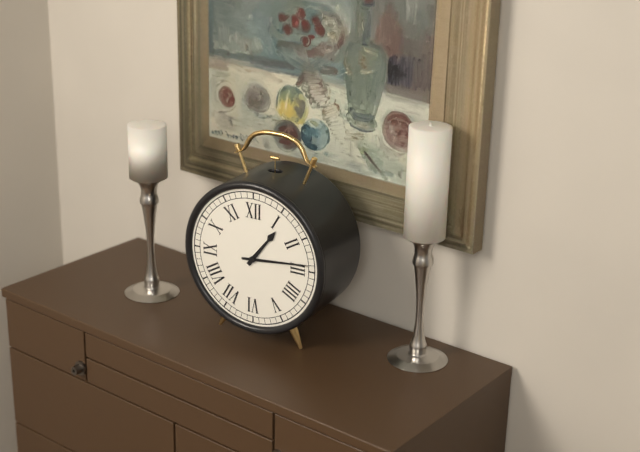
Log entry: h=1 m=14
